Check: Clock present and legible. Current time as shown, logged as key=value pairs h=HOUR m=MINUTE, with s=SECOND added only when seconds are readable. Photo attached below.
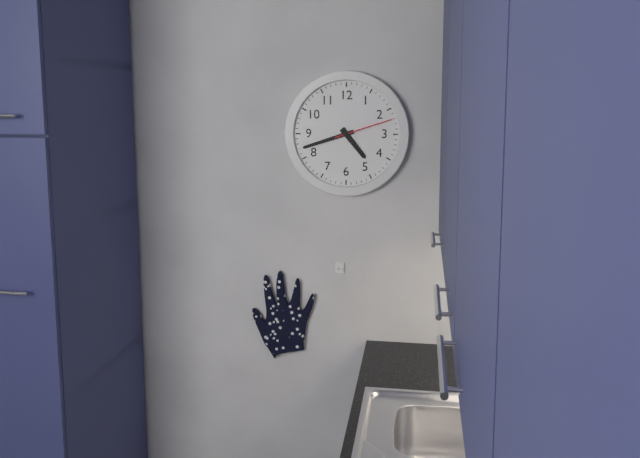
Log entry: h=4 m=42 s=12
